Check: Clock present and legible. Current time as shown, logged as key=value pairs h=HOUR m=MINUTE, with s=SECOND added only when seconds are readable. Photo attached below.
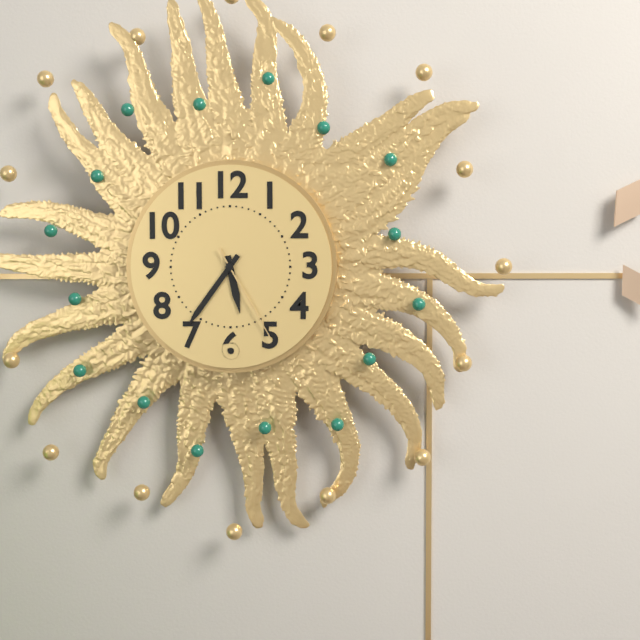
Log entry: h=5 m=36 s=25
